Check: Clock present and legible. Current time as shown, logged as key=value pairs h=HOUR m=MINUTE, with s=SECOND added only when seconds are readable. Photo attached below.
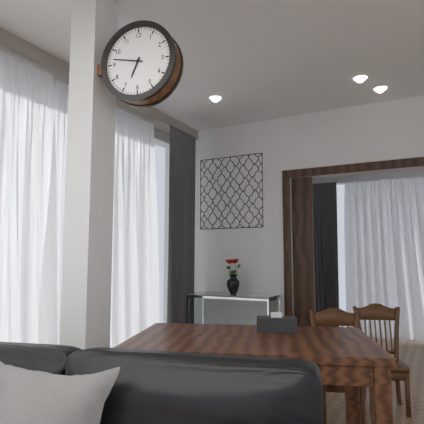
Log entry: h=6 m=47
